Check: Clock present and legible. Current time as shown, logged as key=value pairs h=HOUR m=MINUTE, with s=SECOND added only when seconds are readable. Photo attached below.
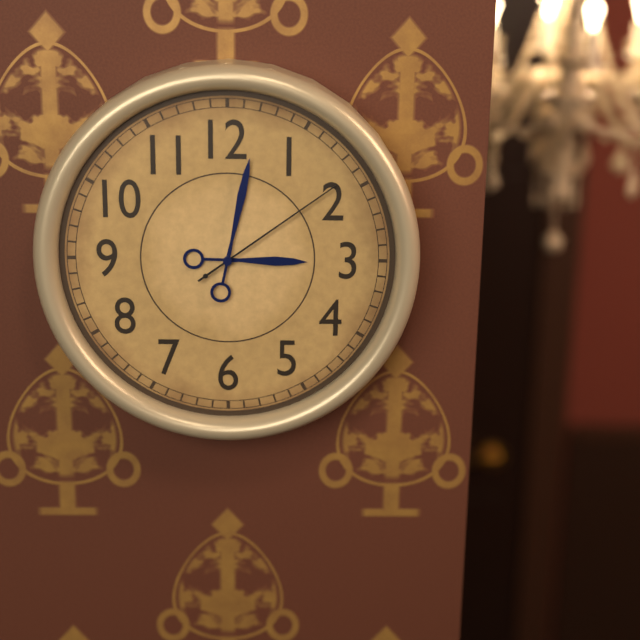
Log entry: h=3 m=2 s=9
